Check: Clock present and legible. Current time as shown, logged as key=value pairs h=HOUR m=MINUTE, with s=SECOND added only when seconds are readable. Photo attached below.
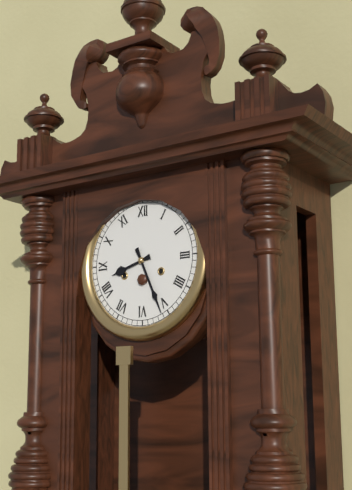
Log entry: h=8 m=26
